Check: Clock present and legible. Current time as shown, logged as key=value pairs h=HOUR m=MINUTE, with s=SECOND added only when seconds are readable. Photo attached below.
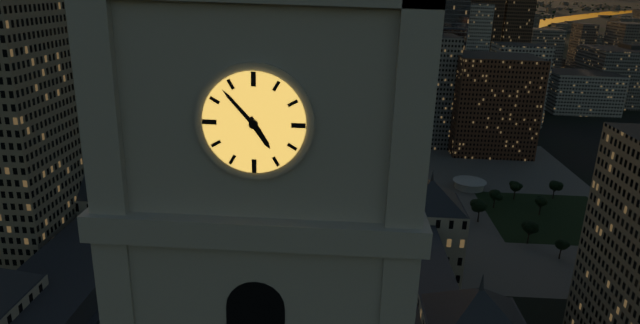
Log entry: h=4 m=53
